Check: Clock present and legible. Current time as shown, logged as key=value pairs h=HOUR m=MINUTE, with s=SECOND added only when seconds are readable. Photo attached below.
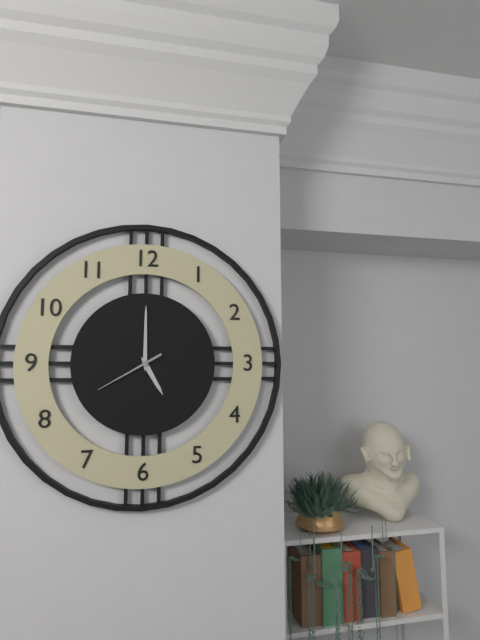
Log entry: h=5 m=0 s=40
